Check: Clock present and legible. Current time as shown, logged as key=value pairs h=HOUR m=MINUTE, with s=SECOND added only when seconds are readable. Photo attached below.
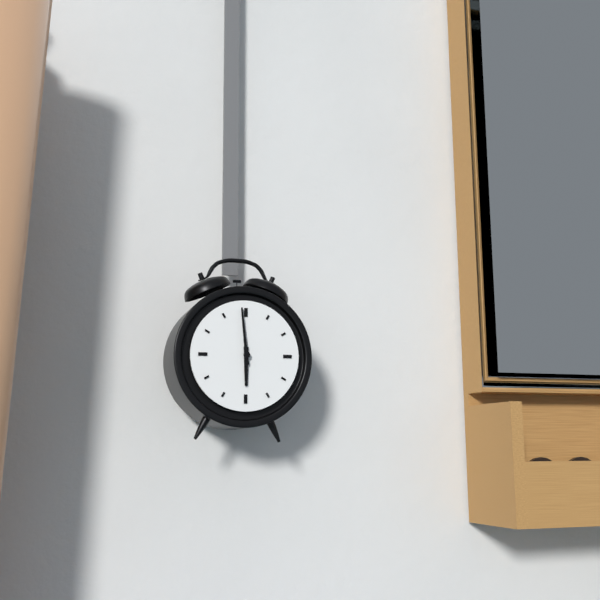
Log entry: h=5 m=59
